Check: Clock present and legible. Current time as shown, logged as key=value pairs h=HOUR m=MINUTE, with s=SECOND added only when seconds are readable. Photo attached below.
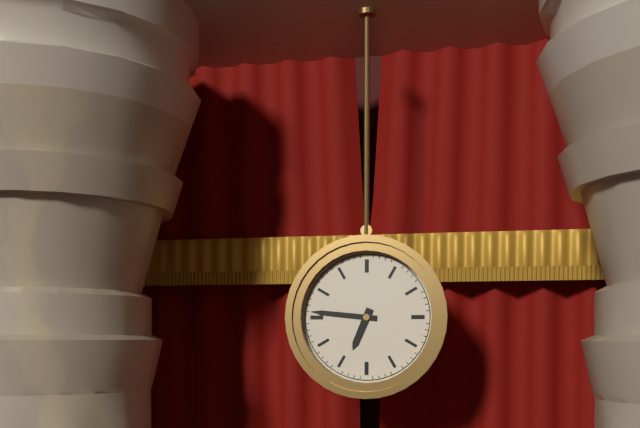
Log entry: h=6 m=46
